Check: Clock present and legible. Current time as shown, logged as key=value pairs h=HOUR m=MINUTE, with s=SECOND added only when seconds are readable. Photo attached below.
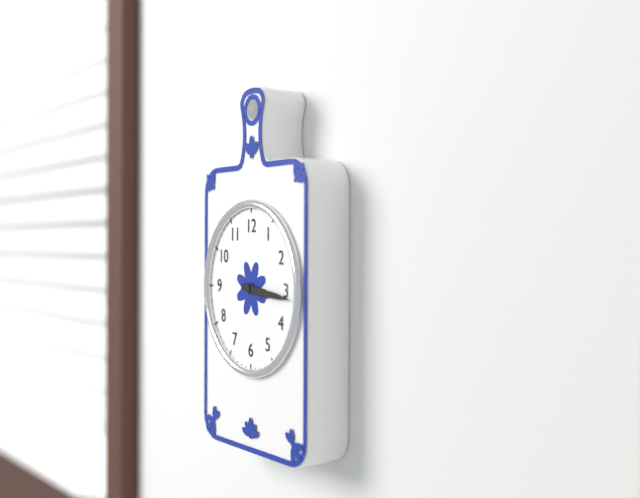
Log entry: h=3 m=16
